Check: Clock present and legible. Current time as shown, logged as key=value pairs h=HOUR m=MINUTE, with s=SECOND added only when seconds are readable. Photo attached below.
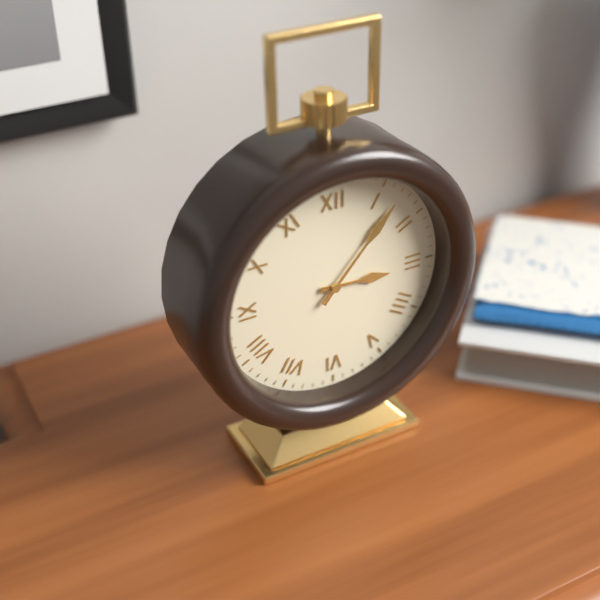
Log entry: h=3 m=7
